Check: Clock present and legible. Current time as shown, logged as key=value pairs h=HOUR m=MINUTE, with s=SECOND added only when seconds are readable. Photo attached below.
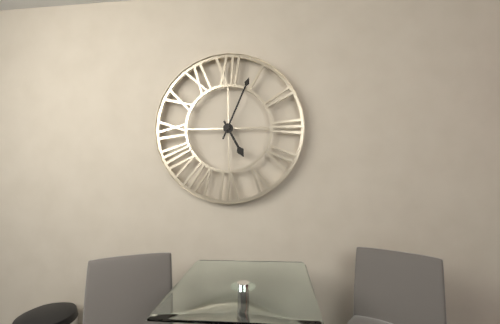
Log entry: h=5 m=4
